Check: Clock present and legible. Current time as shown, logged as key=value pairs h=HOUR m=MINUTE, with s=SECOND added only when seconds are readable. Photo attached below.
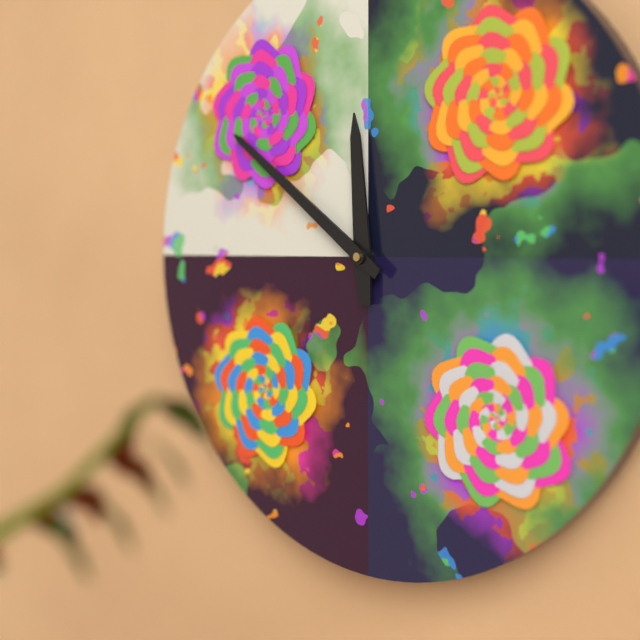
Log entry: h=11 m=51
